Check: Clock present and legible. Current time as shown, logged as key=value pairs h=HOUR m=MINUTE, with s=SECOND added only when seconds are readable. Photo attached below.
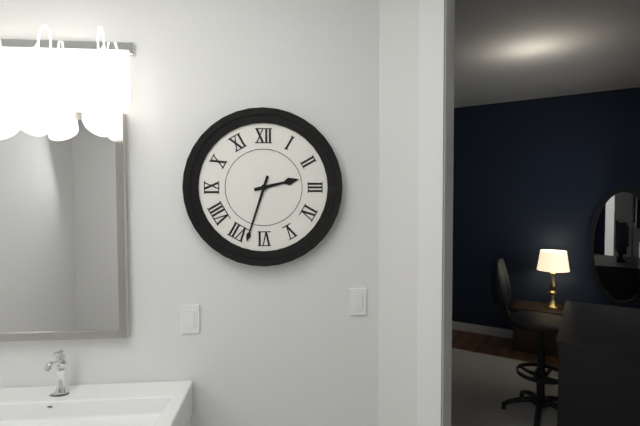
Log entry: h=2 m=33
